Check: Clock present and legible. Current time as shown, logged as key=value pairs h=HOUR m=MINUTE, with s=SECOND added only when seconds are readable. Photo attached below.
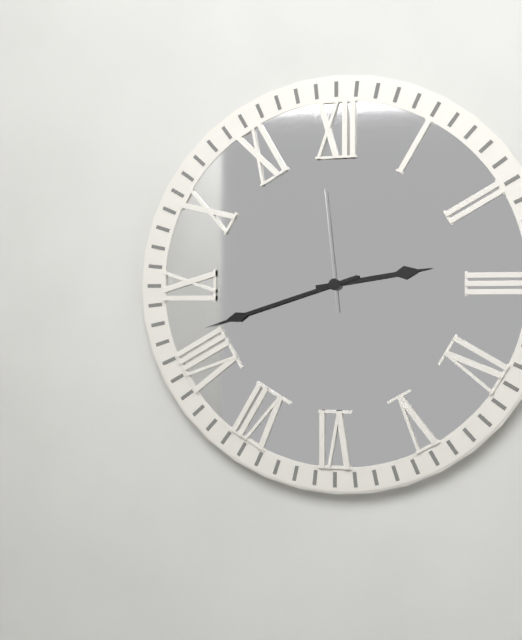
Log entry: h=2 m=42 s=59
